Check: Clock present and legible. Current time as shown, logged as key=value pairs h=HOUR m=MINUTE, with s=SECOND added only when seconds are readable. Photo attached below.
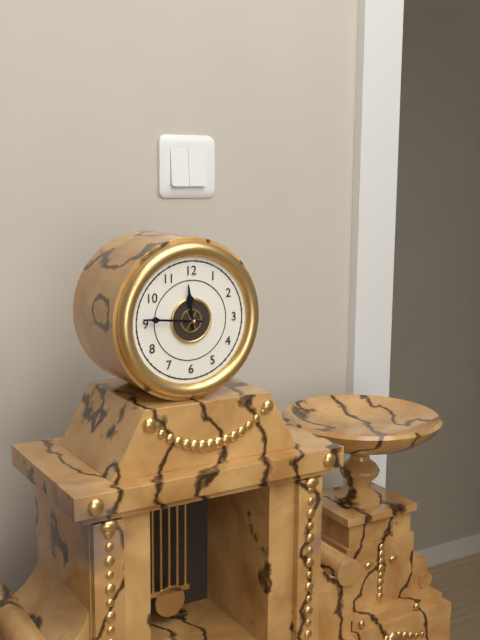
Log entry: h=11 m=46
